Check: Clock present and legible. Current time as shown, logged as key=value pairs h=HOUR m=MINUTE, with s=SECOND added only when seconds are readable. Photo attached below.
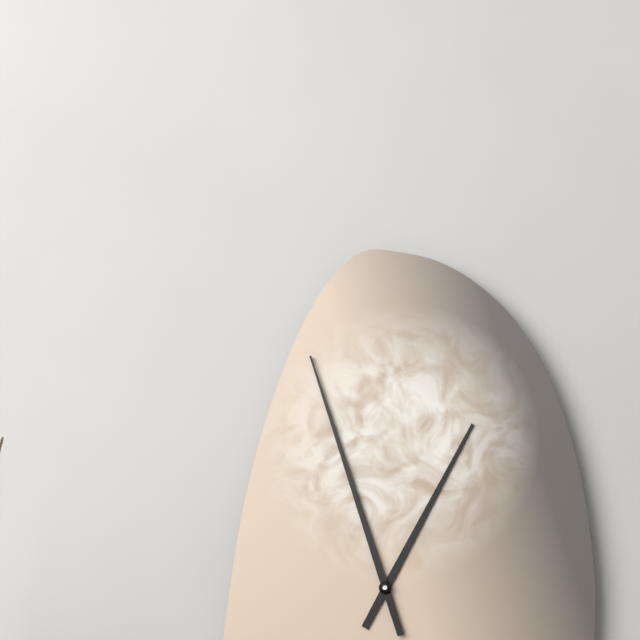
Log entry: h=12 m=57
